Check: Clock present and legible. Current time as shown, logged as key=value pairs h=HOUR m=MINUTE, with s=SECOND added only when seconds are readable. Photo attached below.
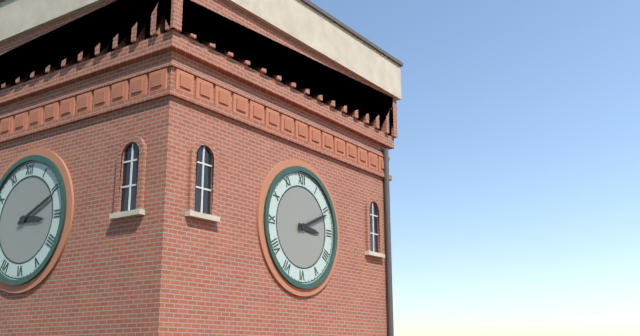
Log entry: h=3 m=11
